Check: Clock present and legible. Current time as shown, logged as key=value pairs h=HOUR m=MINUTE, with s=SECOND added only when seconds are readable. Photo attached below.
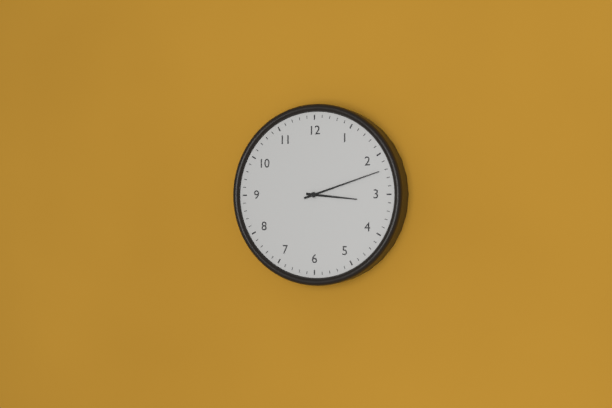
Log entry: h=3 m=12
